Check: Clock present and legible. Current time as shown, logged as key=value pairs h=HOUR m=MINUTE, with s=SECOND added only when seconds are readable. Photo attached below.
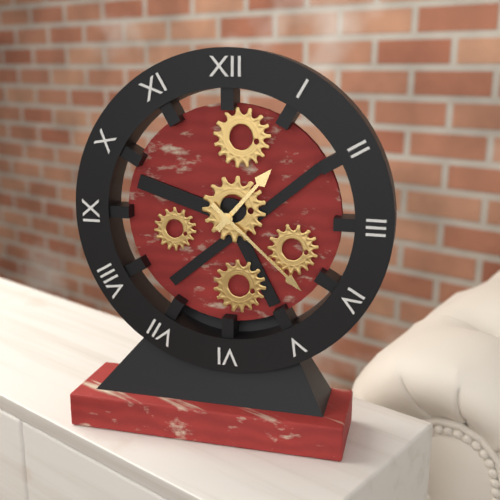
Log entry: h=1 m=22
